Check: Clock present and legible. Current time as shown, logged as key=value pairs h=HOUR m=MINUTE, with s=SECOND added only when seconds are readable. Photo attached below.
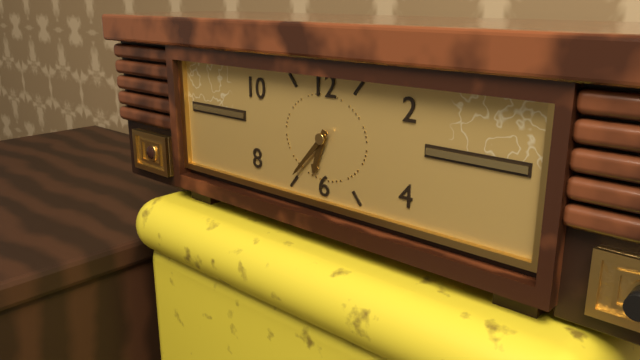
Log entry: h=6 m=37
